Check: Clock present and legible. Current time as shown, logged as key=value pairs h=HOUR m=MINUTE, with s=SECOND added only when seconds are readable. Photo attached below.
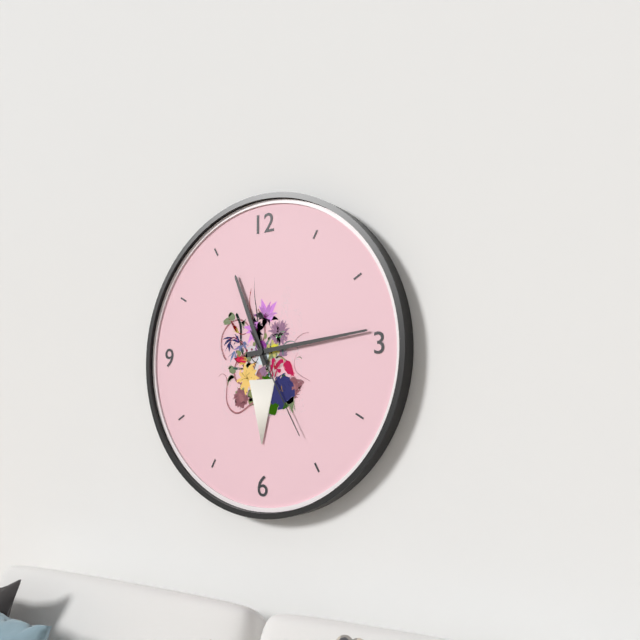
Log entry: h=11 m=14 s=25
